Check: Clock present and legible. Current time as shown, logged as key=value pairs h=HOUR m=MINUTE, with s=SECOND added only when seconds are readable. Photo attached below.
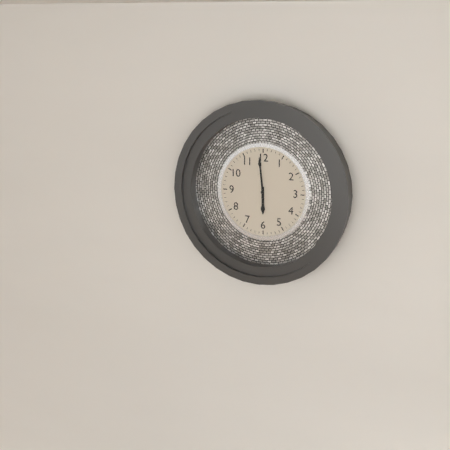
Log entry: h=5 m=59
